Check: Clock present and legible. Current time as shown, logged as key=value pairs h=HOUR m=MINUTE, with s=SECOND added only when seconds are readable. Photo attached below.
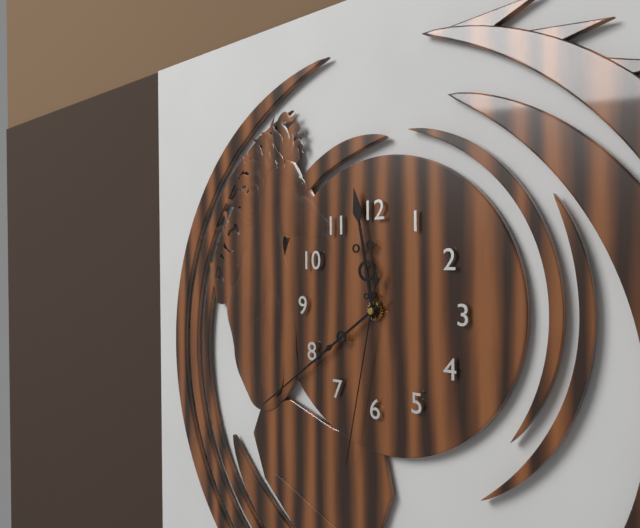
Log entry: h=11 m=39 s=32
